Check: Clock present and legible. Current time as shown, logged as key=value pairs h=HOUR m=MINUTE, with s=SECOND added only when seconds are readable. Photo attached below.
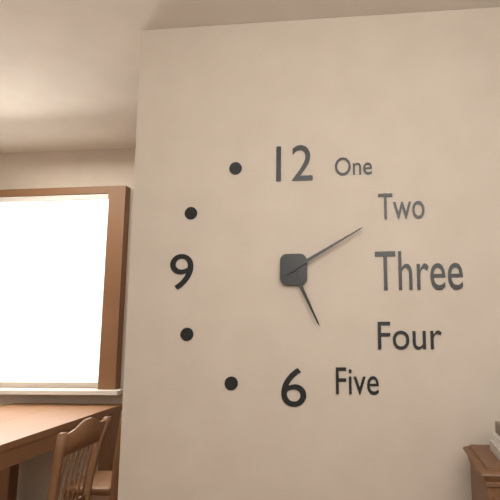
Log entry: h=5 m=10
